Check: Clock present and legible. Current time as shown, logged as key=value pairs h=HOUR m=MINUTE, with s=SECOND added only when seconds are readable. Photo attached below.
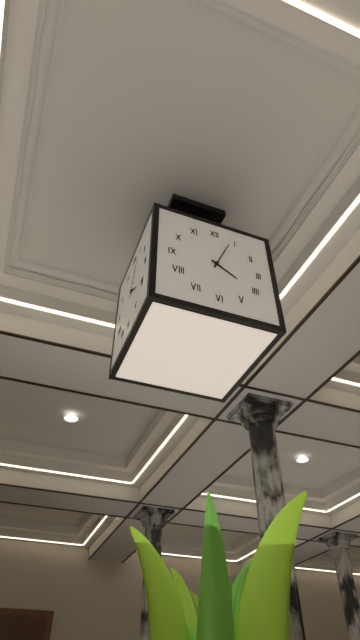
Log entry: h=4 m=4
